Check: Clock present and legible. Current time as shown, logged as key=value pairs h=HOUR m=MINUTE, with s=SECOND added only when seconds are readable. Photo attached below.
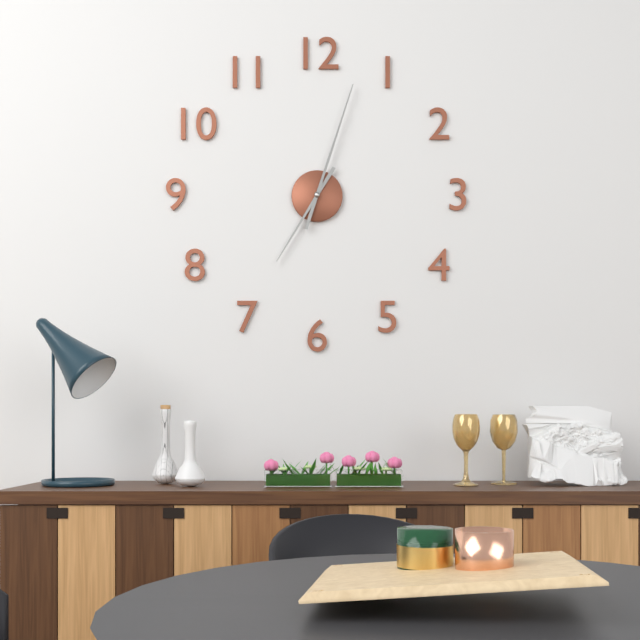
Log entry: h=7 m=3
